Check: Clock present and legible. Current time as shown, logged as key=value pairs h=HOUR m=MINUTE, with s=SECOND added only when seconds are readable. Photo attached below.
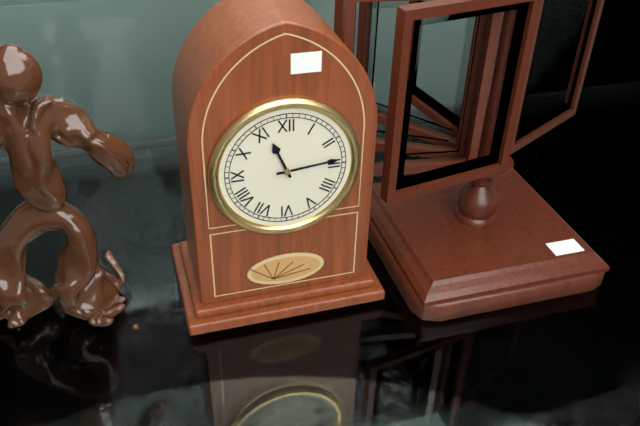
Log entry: h=11 m=14
